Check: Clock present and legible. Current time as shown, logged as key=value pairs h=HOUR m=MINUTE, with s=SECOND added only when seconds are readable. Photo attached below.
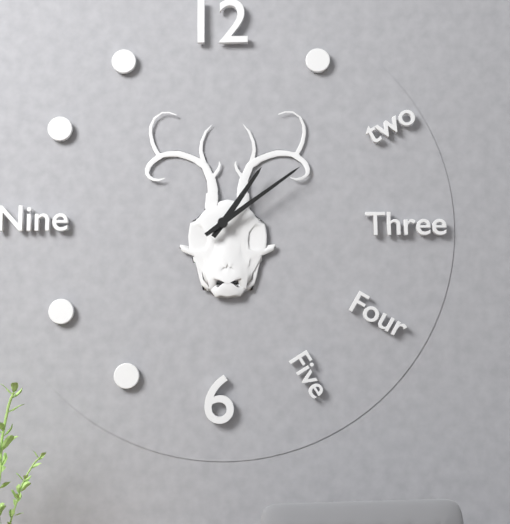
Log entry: h=1 m=9
